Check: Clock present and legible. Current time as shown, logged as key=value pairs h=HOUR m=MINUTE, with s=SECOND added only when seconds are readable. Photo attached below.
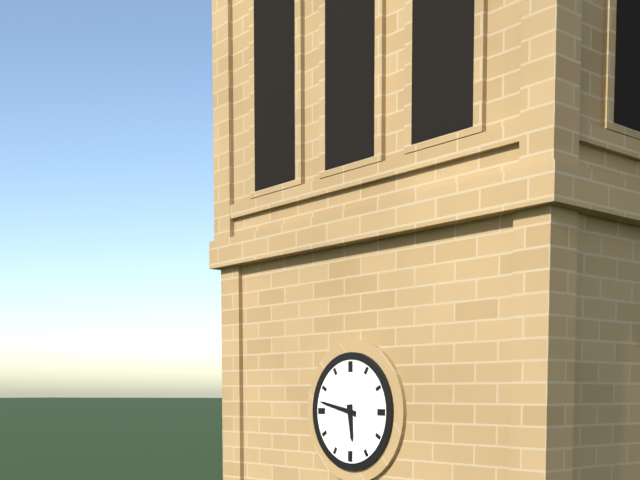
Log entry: h=5 m=47
